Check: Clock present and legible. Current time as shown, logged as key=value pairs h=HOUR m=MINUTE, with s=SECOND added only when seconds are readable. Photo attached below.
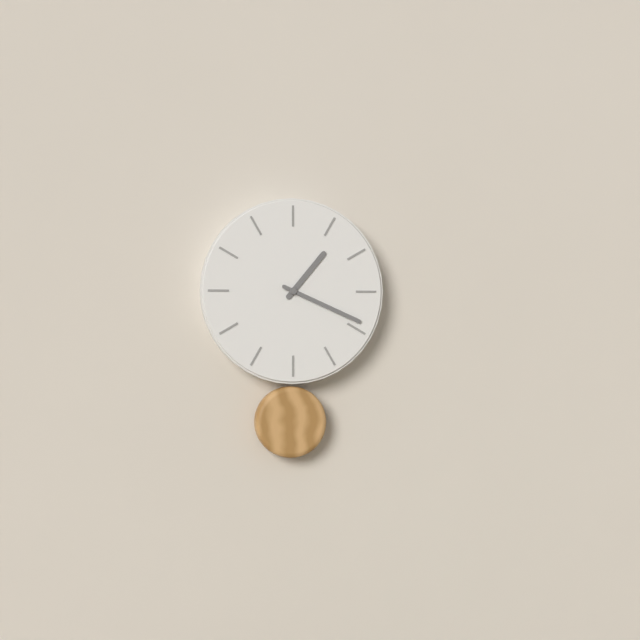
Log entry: h=1 m=19
